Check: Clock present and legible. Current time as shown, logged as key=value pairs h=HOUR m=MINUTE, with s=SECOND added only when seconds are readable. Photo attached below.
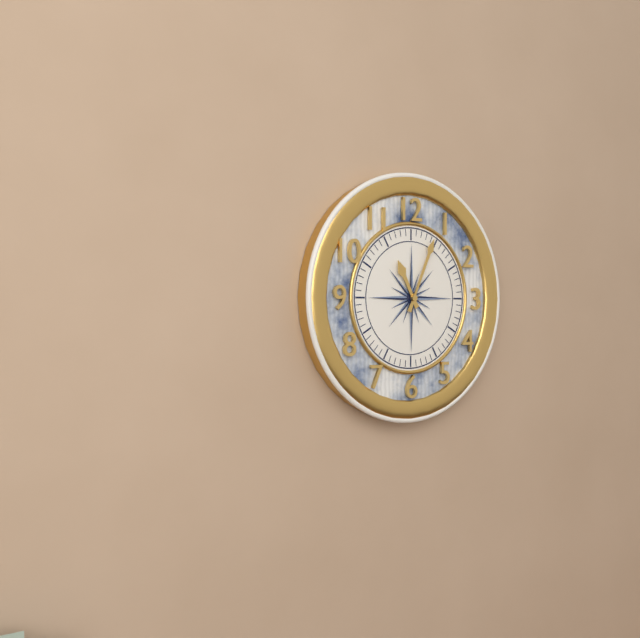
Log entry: h=11 m=4
